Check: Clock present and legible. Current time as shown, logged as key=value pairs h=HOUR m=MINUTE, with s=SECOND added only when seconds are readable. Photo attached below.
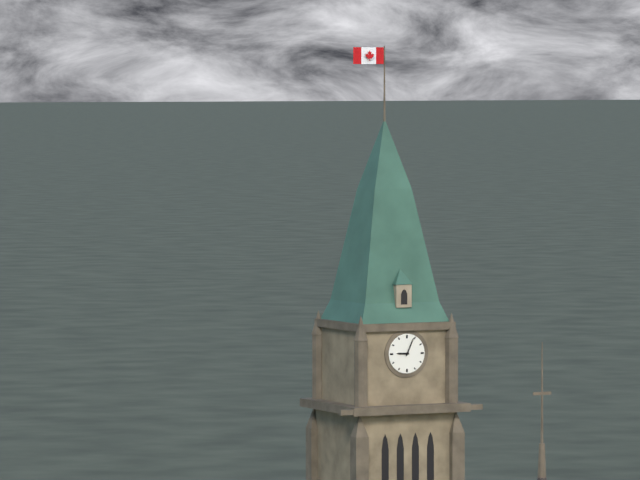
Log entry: h=9 m=4
